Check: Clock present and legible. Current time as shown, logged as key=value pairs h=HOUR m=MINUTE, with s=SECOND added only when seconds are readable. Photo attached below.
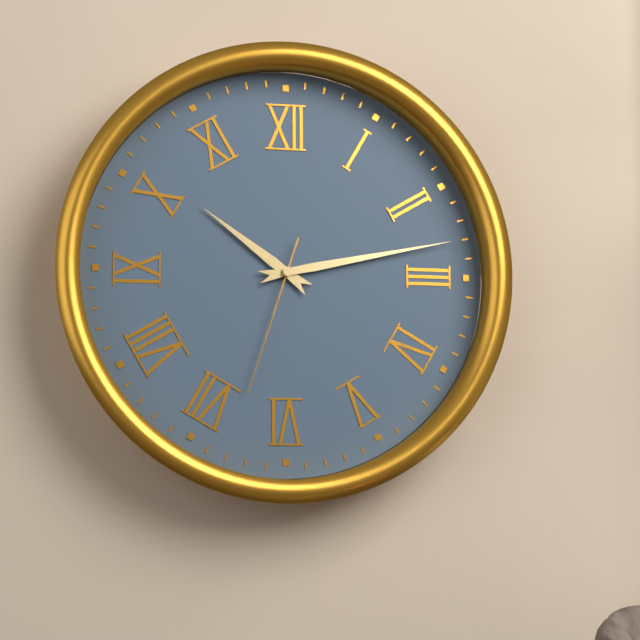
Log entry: h=10 m=13 s=33
